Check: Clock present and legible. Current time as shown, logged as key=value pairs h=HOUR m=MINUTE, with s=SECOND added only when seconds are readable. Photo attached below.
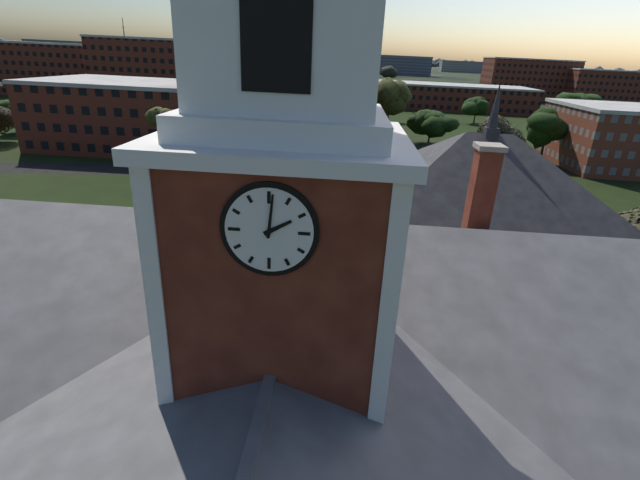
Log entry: h=2 m=1
